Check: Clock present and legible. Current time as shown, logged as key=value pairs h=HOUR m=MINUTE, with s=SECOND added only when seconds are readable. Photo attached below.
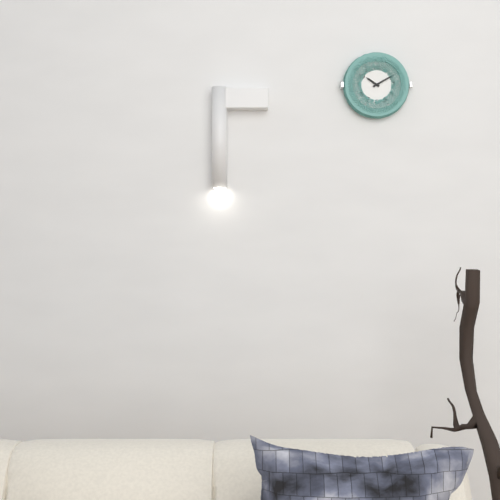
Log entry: h=10 m=10
